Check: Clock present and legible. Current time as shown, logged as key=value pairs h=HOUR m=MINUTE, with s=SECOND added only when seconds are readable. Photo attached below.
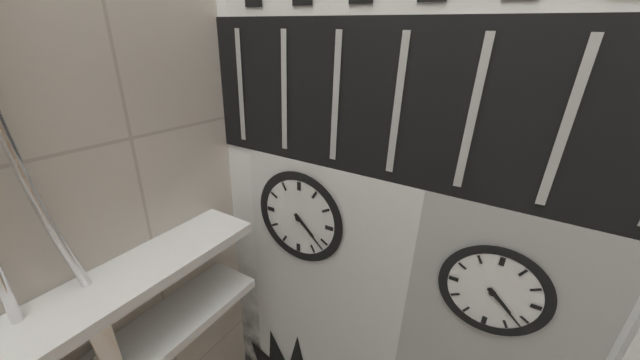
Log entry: h=4 m=22
